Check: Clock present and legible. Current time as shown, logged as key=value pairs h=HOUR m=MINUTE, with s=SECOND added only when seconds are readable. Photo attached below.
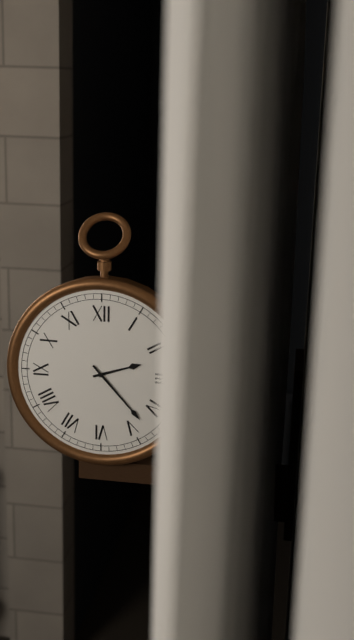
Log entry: h=2 m=23
